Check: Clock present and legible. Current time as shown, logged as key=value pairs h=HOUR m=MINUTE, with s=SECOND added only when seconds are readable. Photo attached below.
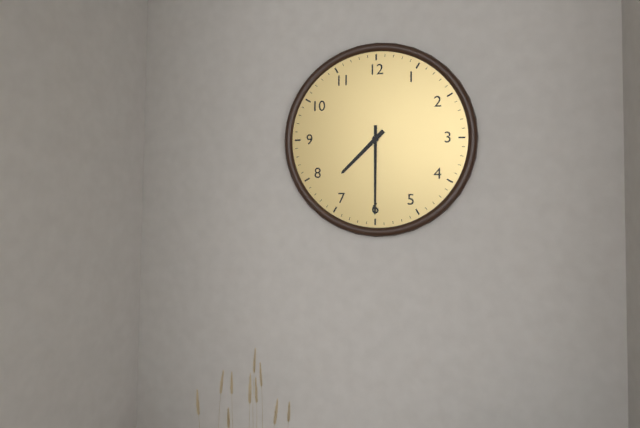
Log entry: h=7 m=30
